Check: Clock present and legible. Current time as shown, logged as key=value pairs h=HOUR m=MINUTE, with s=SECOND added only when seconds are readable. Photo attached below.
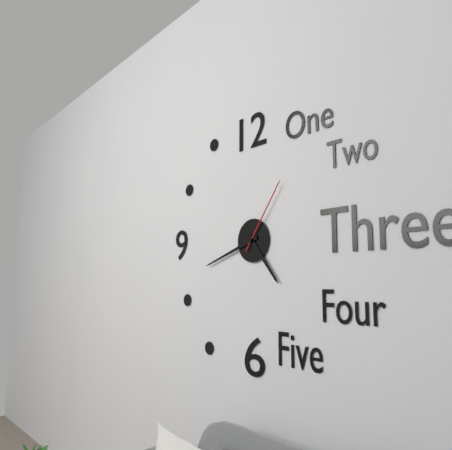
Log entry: h=4 m=42 s=6
